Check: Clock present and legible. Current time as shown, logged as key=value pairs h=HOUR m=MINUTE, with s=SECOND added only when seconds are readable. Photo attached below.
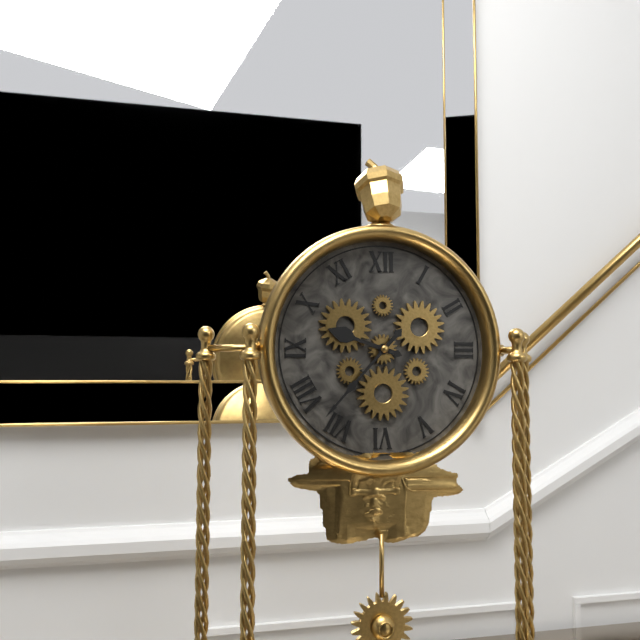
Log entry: h=9 m=37
